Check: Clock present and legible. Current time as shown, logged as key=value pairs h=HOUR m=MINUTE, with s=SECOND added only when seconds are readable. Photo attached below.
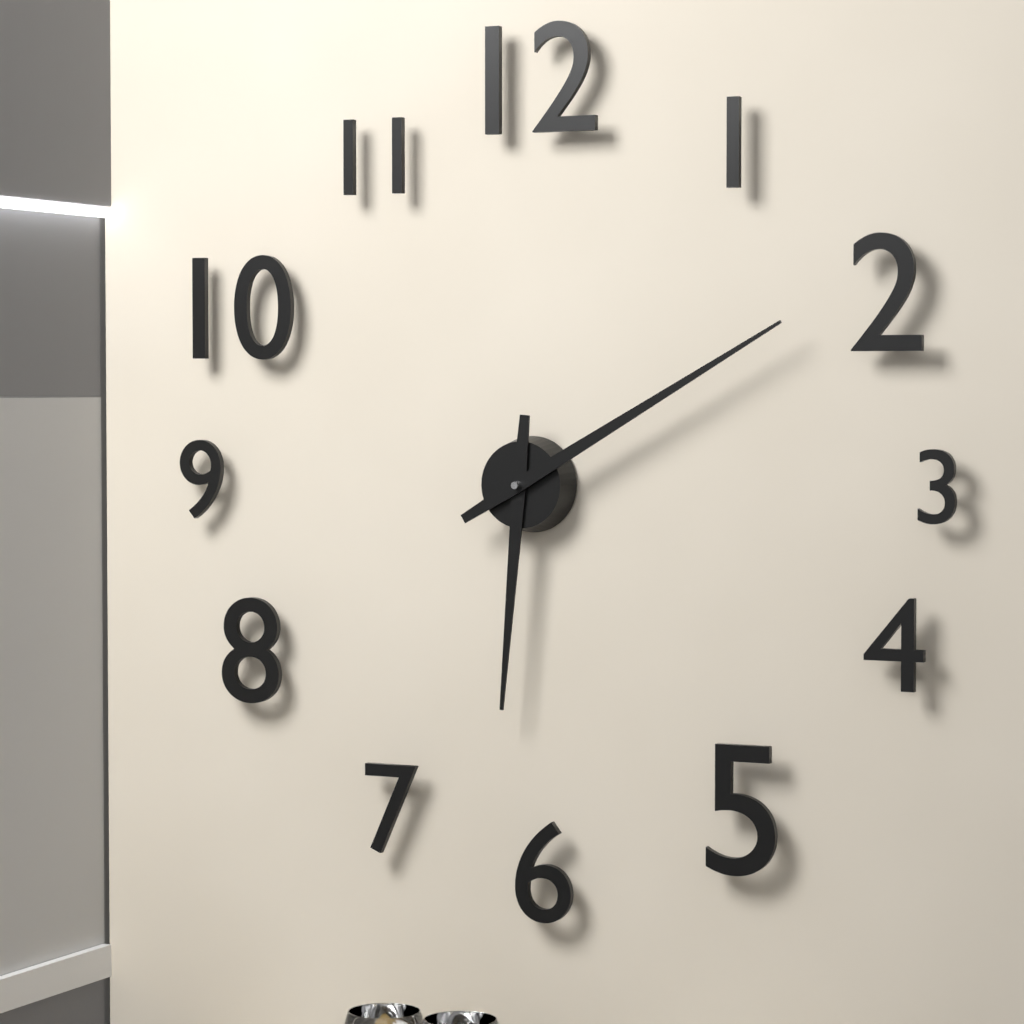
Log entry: h=6 m=10
